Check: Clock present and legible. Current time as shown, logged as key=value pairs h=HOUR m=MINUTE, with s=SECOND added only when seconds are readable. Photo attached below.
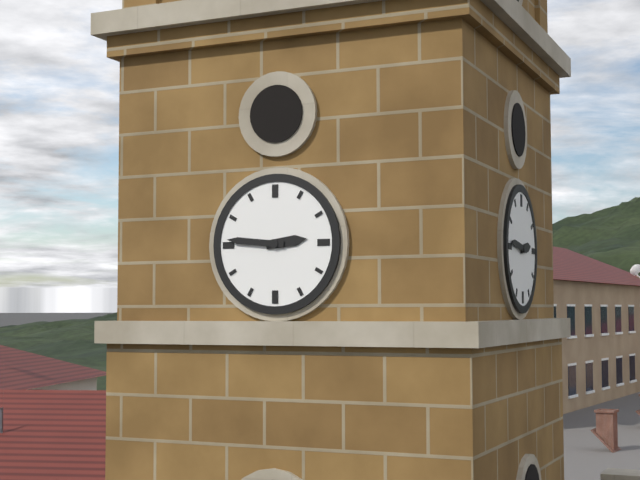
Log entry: h=2 m=46
